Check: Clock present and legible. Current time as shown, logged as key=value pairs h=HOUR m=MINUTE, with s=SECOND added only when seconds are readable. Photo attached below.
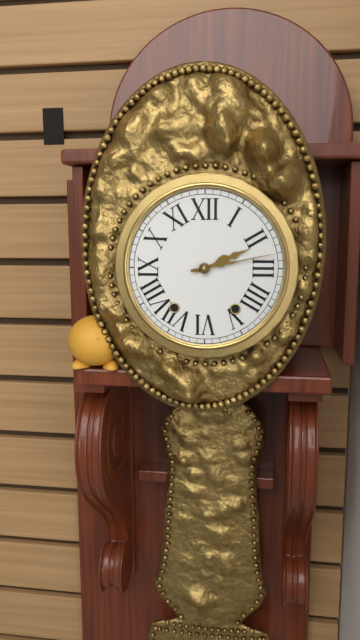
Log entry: h=2 m=13
